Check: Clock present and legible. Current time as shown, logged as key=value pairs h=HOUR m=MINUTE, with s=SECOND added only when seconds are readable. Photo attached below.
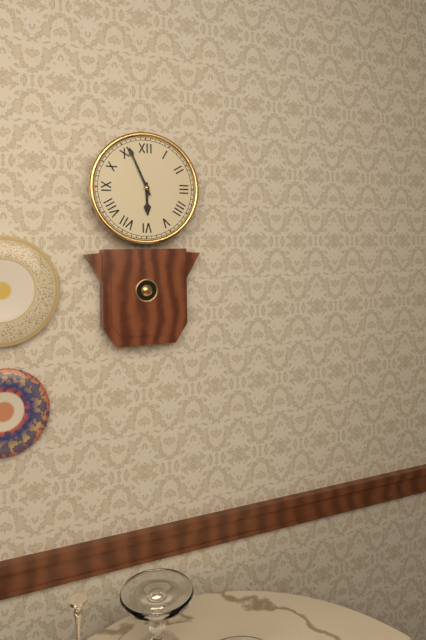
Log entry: h=5 m=56
